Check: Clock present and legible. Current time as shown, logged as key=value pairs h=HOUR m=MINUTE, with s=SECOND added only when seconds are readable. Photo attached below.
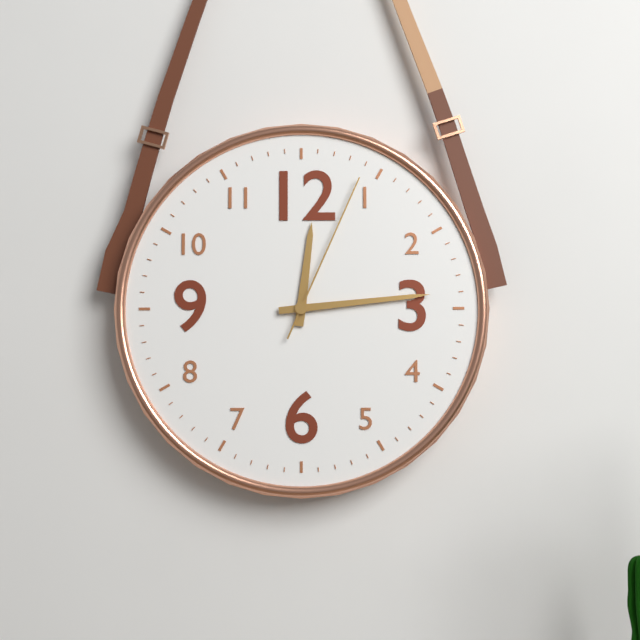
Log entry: h=12 m=14 s=4
